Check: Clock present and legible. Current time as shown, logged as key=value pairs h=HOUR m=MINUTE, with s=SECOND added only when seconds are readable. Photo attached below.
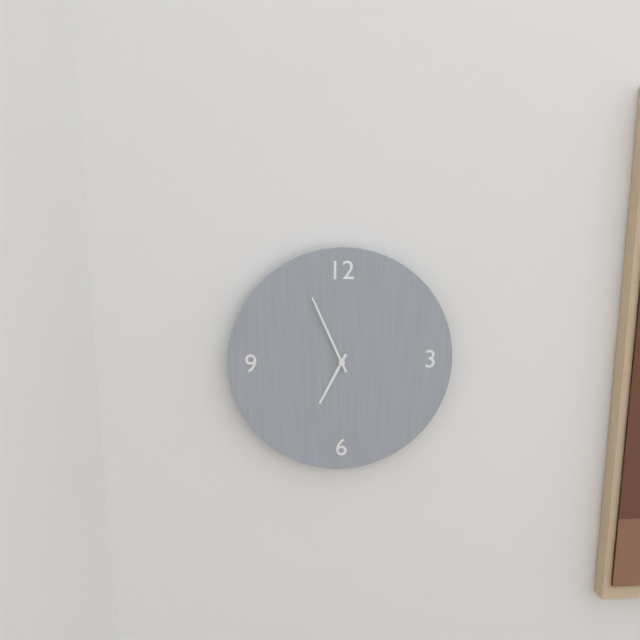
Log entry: h=6 m=56
